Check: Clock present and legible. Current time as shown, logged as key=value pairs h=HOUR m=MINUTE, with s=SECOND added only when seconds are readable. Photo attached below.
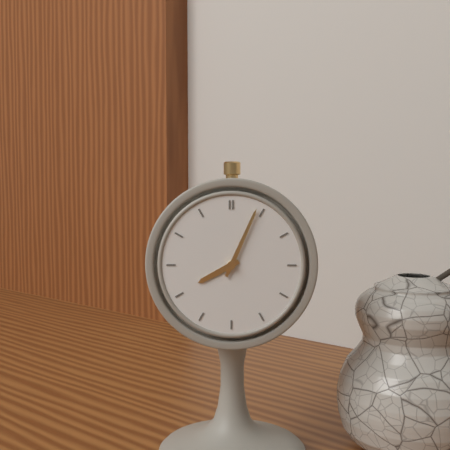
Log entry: h=8 m=4
